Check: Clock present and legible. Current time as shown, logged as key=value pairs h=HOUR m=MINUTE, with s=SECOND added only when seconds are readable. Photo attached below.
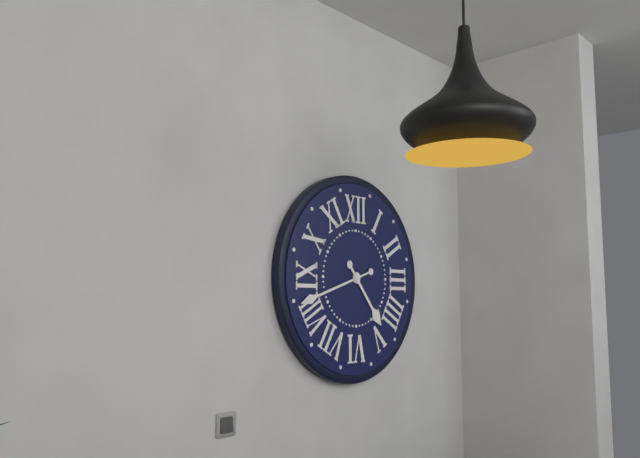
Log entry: h=4 m=42
